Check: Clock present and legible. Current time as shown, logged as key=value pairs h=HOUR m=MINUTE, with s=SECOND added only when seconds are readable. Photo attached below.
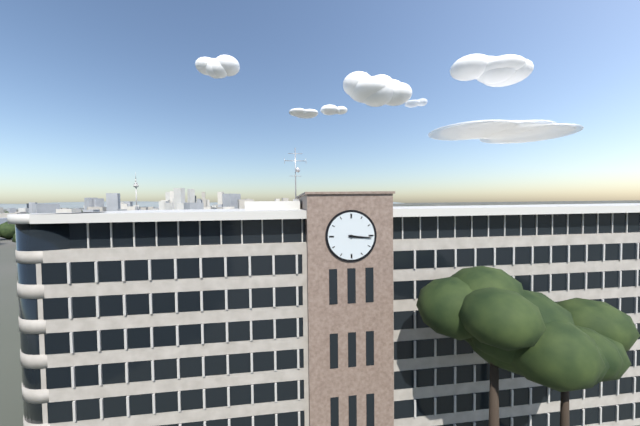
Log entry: h=3 m=16
